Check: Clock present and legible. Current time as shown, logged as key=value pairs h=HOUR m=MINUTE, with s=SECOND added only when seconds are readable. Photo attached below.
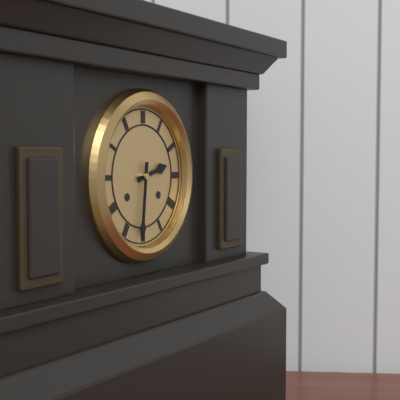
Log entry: h=2 m=31
